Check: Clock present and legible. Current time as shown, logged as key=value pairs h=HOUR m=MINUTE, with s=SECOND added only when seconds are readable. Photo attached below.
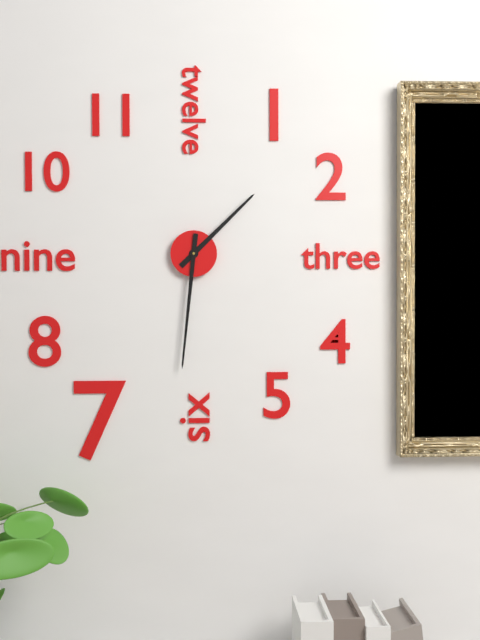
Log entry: h=1 m=31
